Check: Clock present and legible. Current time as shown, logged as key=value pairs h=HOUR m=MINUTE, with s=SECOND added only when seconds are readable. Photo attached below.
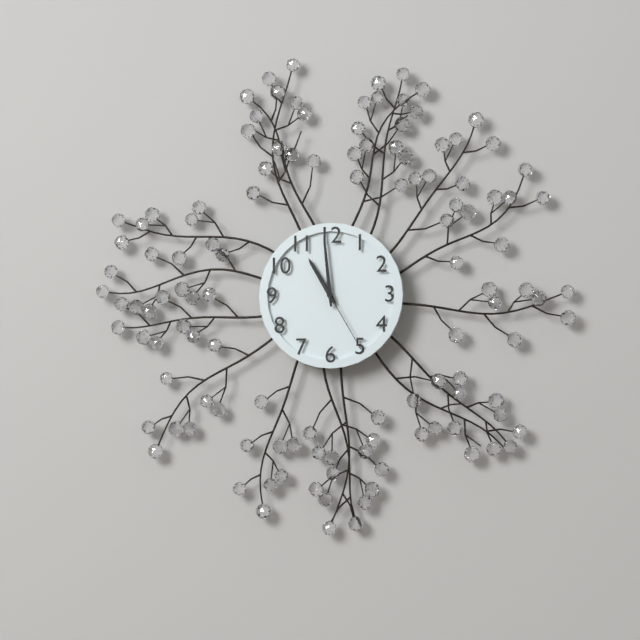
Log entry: h=10 m=59 s=25
